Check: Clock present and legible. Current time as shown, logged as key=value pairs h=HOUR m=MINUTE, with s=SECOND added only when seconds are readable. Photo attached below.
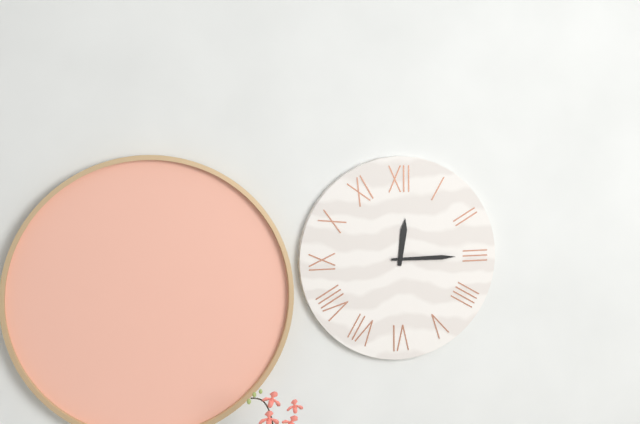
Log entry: h=12 m=15
